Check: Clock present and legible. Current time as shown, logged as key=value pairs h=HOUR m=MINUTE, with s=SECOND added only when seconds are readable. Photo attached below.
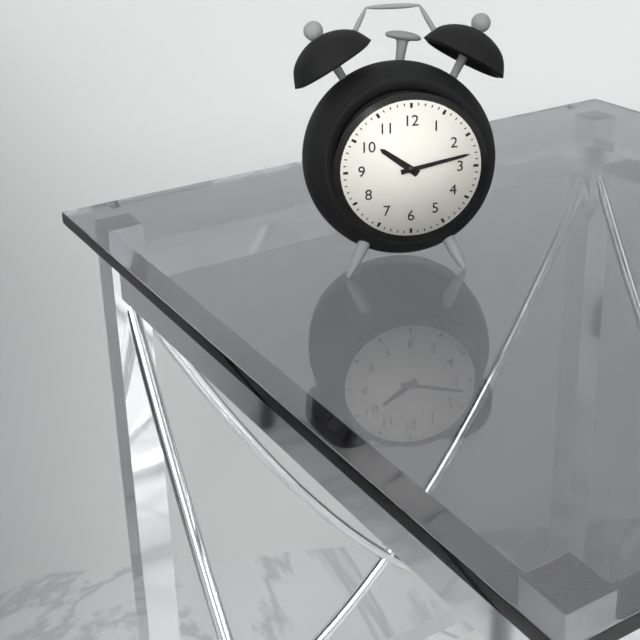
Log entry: h=10 m=13
